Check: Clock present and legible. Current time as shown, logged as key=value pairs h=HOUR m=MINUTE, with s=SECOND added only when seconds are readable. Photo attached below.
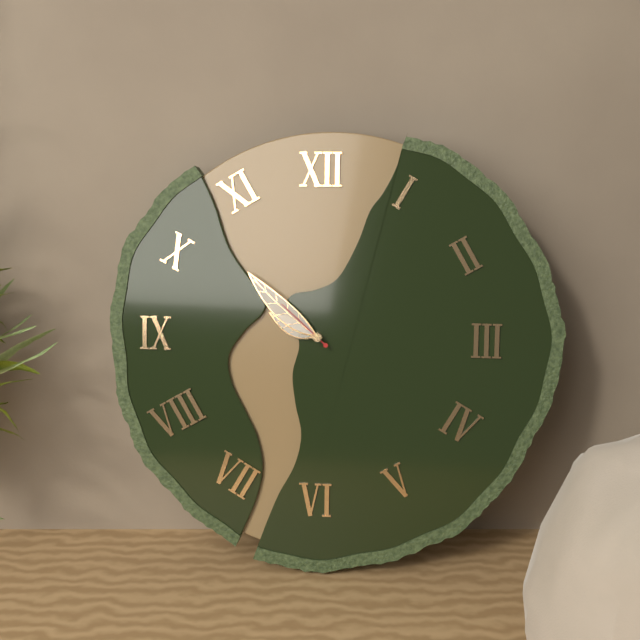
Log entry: h=9 m=52 s=52
